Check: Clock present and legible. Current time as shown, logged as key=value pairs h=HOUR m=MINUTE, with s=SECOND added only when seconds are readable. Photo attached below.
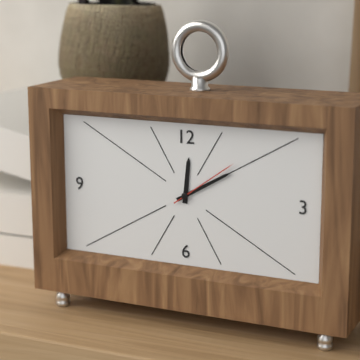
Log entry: h=12 m=10 s=9
